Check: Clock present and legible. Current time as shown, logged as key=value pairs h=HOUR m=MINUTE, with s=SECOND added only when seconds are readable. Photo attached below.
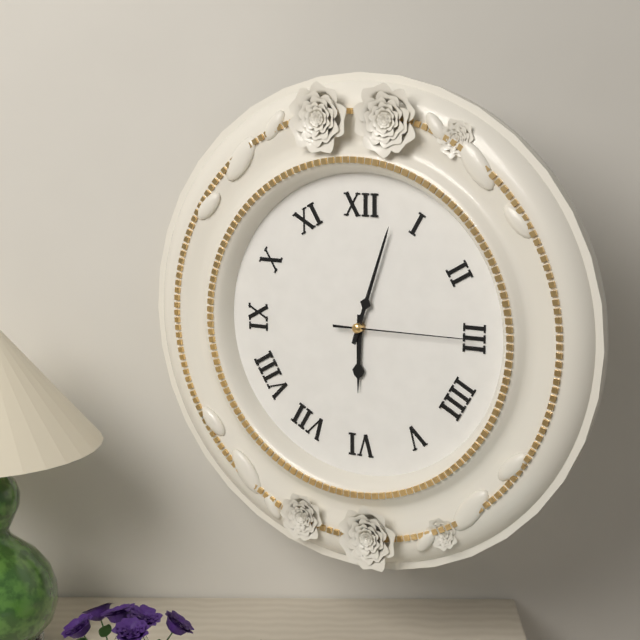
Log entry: h=6 m=3 s=15
